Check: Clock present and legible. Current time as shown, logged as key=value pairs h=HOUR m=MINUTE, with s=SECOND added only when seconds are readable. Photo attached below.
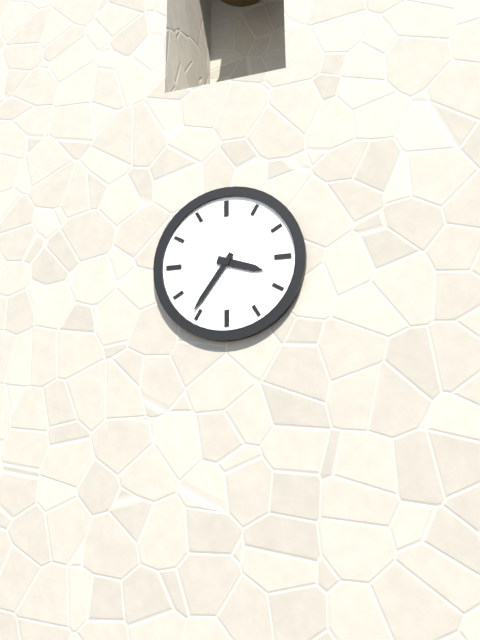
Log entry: h=3 m=36
